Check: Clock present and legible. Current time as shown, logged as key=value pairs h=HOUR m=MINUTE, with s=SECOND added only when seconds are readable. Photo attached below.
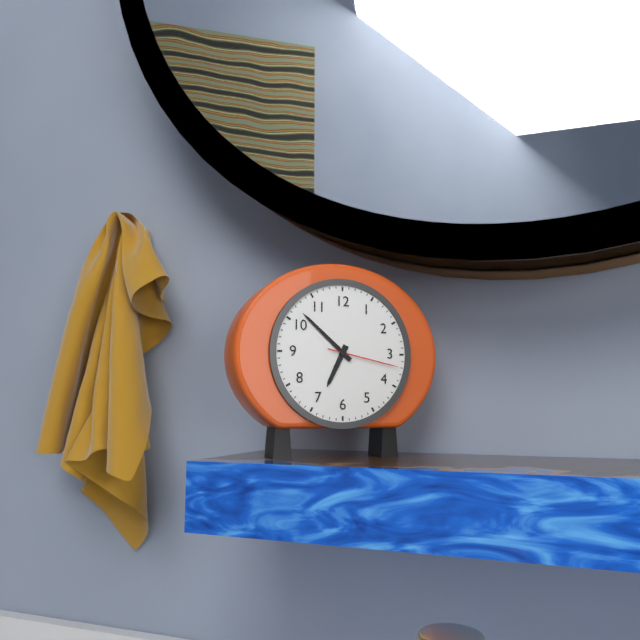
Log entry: h=6 m=52 s=17
